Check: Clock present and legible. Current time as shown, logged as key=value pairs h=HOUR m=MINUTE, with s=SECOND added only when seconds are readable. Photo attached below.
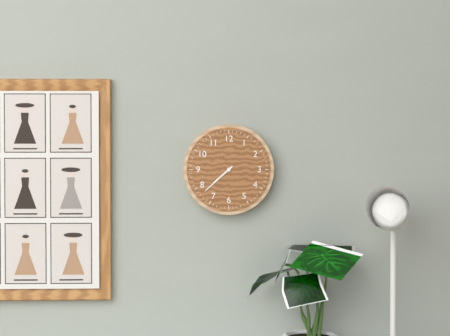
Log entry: h=7 m=38
